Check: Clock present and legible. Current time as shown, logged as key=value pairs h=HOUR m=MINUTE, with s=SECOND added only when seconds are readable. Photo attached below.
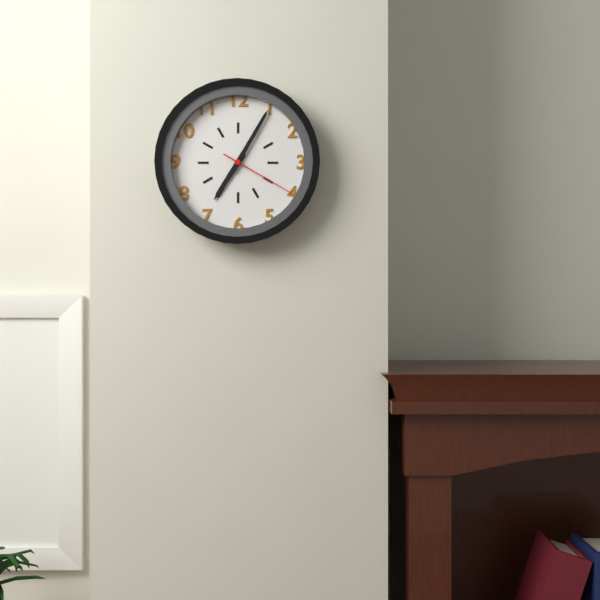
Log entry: h=7 m=5 s=20
